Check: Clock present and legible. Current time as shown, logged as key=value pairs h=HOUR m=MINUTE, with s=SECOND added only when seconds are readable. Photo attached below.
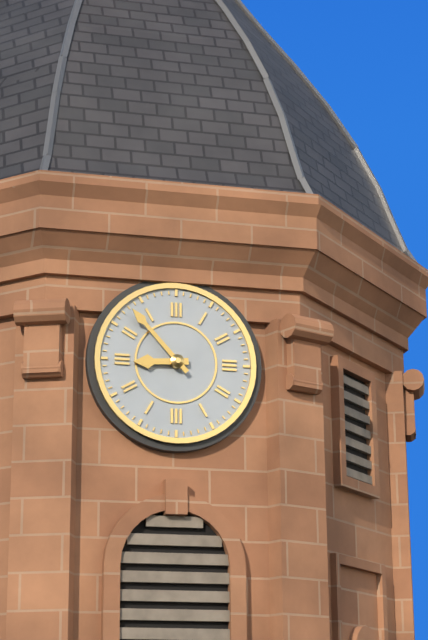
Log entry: h=8 m=53
